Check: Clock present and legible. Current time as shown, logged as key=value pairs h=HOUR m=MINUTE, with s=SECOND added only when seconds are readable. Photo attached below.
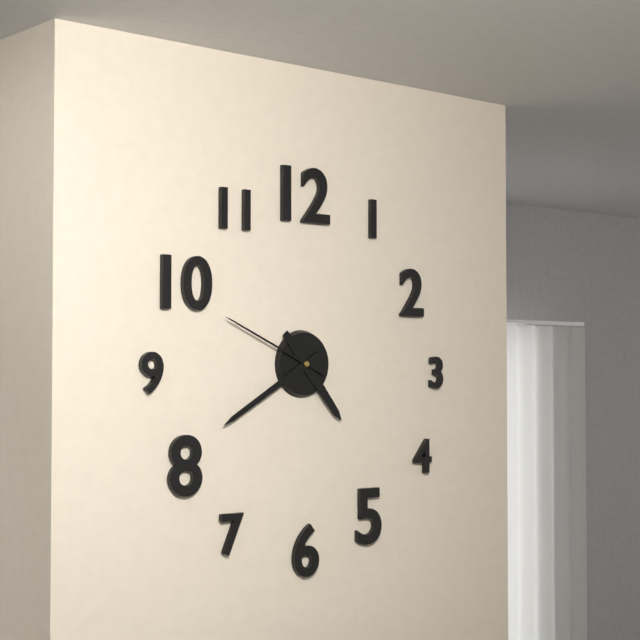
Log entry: h=4 m=40 s=49
